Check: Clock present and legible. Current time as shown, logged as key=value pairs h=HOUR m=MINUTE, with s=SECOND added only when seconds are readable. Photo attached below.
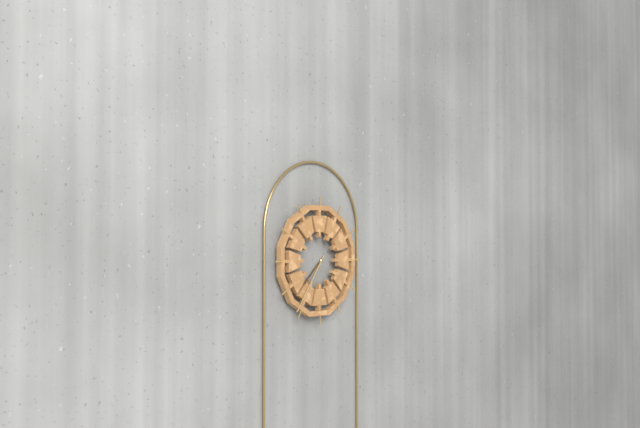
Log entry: h=7 m=36
